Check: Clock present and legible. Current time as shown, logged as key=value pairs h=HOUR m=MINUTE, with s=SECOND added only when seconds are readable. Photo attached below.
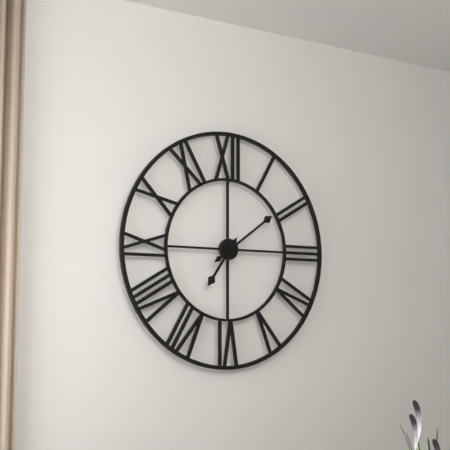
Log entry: h=7 m=9
